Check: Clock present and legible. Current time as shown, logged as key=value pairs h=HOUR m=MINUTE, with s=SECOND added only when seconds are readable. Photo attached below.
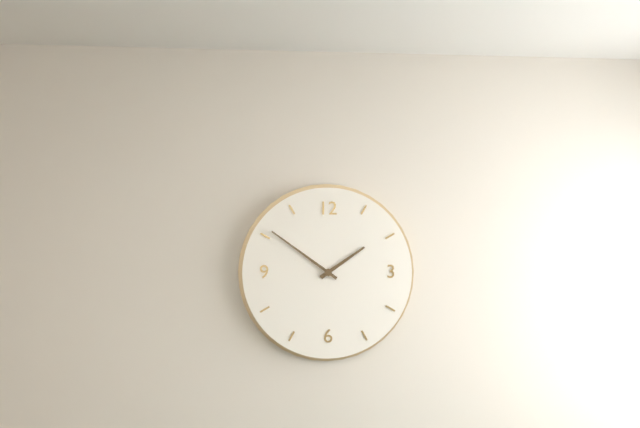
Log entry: h=1 m=51
